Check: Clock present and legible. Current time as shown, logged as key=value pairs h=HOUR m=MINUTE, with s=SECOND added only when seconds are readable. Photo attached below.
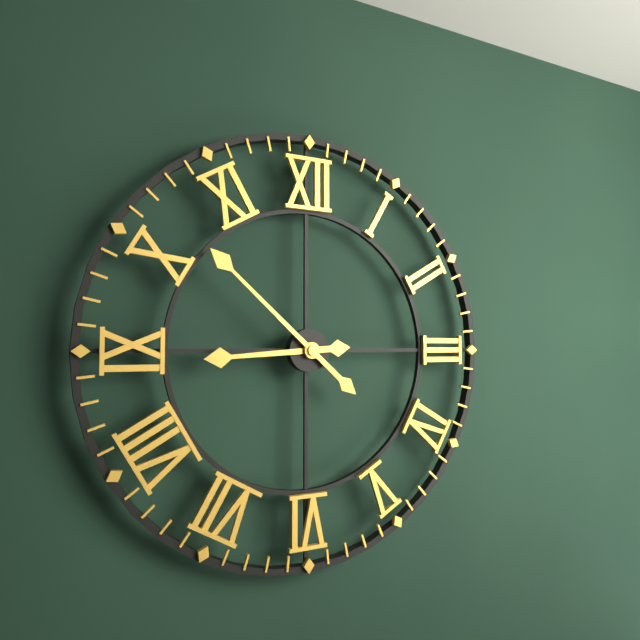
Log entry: h=8 m=52
